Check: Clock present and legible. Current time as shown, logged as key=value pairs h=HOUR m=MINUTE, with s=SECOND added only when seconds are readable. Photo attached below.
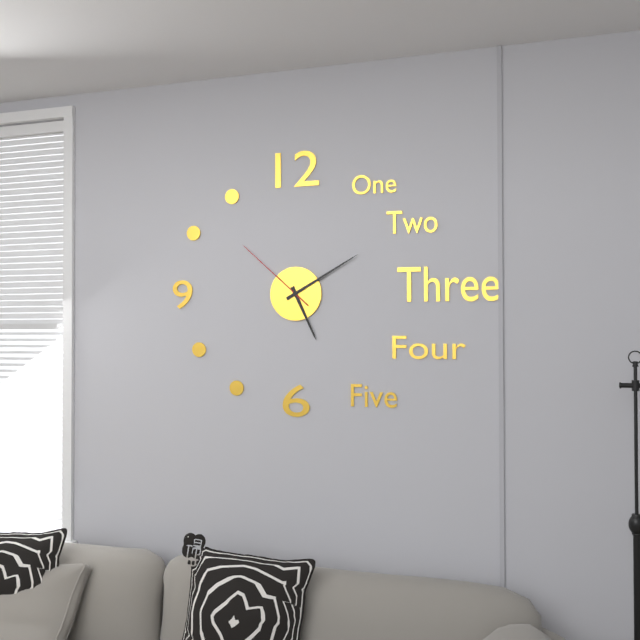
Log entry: h=5 m=10 s=52
